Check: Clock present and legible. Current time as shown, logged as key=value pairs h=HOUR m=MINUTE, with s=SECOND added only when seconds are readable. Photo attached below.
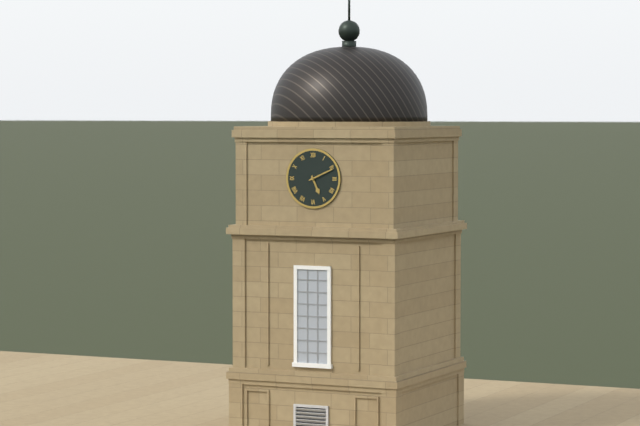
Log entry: h=5 m=11
